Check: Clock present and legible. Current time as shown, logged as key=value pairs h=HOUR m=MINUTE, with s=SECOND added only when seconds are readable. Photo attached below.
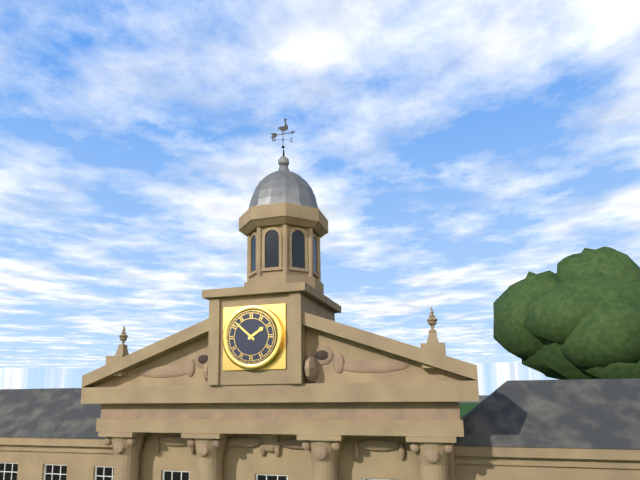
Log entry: h=1 m=52
